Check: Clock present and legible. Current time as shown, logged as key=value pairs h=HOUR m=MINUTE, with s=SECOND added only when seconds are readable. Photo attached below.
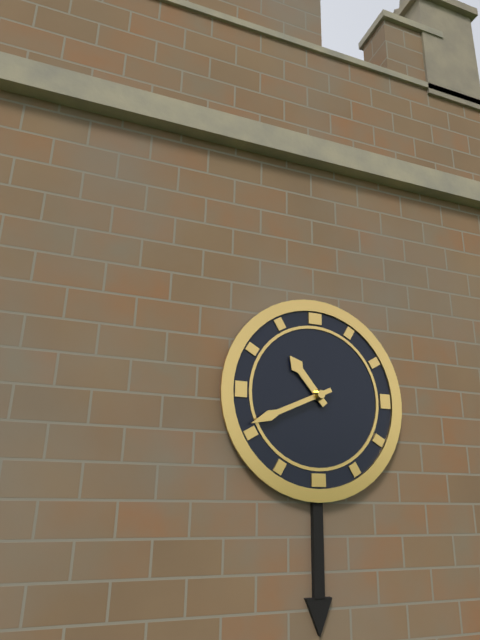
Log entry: h=10 m=41
